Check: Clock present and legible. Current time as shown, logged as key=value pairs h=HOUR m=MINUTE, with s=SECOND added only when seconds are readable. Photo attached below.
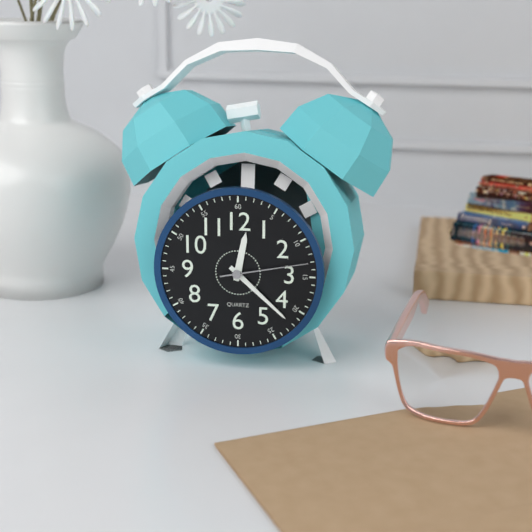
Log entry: h=12 m=22 s=13
